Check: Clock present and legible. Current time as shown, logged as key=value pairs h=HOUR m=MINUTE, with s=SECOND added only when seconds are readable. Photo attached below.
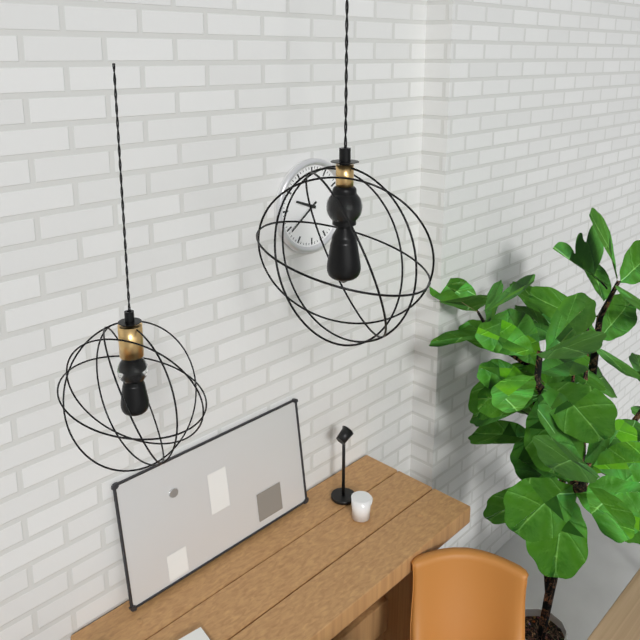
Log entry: h=9 m=39
